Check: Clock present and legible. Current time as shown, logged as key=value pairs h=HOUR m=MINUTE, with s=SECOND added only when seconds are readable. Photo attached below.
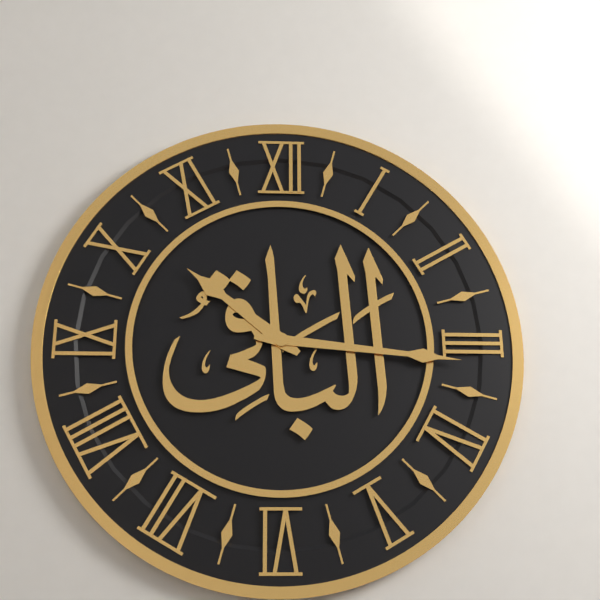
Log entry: h=10 m=16
